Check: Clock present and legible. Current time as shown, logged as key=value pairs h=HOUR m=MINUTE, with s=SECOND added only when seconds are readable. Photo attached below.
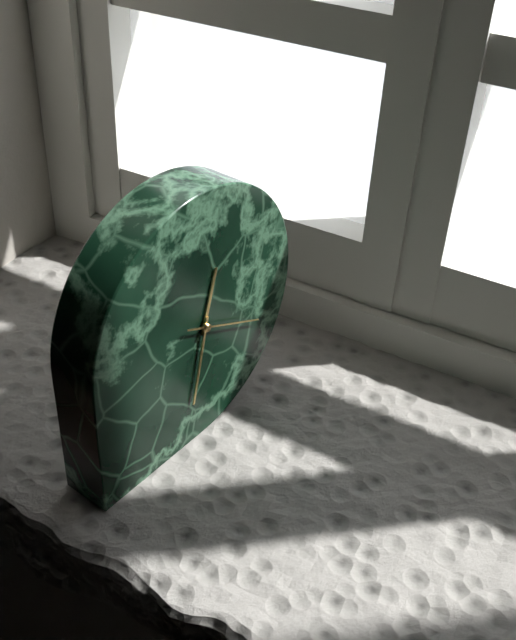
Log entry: h=12 m=32 s=19
